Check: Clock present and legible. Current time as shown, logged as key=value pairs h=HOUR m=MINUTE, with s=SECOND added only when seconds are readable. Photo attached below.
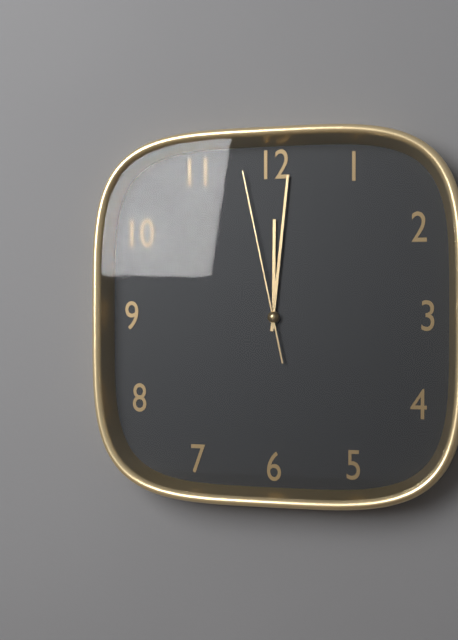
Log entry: h=12 m=1 s=58
